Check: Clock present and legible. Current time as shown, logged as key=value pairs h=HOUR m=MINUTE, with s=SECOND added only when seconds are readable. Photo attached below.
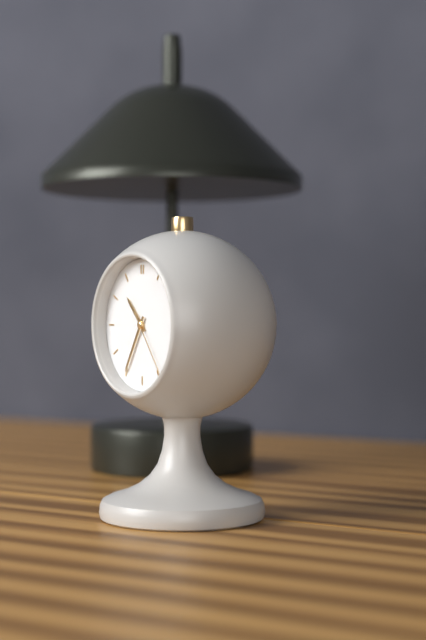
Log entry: h=10 m=35 s=24
